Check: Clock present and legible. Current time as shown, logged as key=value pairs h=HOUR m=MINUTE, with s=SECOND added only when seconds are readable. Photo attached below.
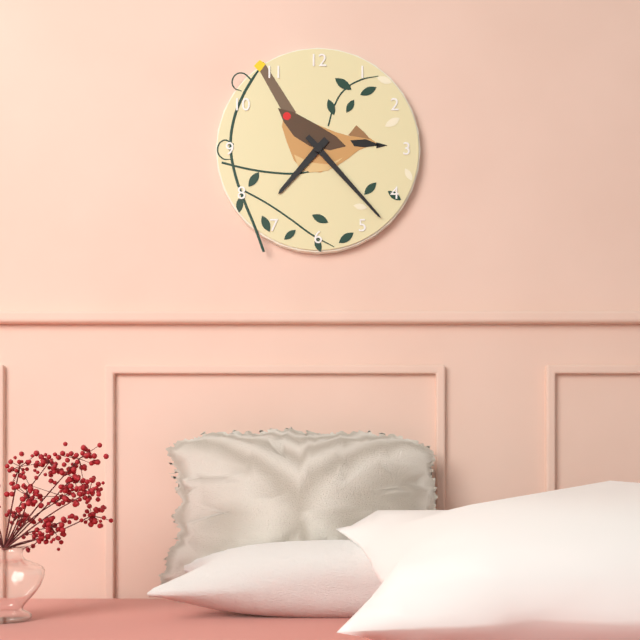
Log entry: h=7 m=23
